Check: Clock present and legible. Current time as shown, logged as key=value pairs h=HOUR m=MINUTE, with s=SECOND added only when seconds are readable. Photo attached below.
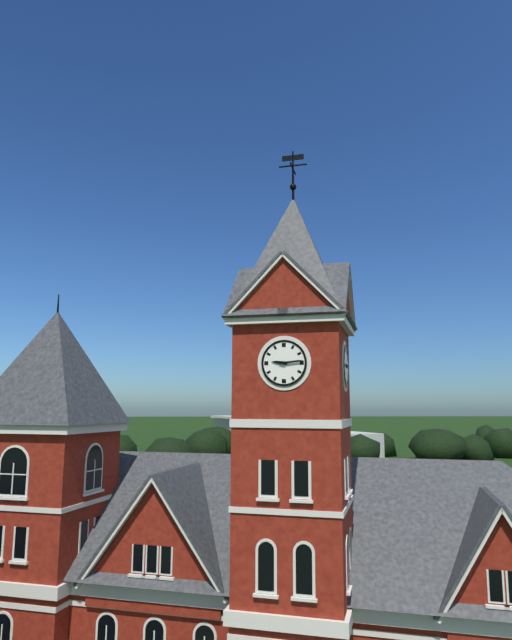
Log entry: h=9 m=14
